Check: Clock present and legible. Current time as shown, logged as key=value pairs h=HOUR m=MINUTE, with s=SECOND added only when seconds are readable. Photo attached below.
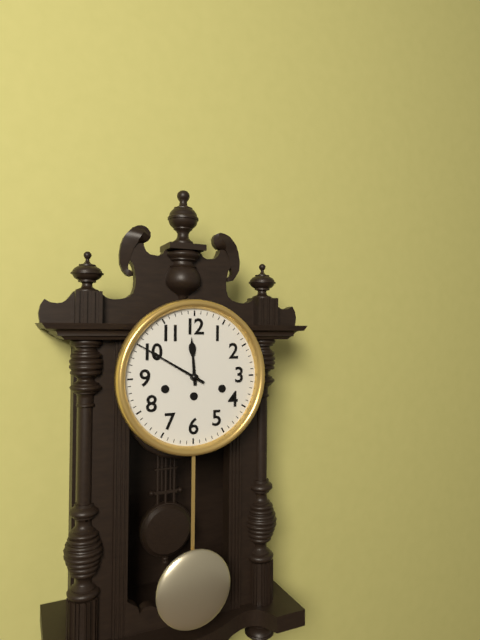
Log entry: h=11 m=50
